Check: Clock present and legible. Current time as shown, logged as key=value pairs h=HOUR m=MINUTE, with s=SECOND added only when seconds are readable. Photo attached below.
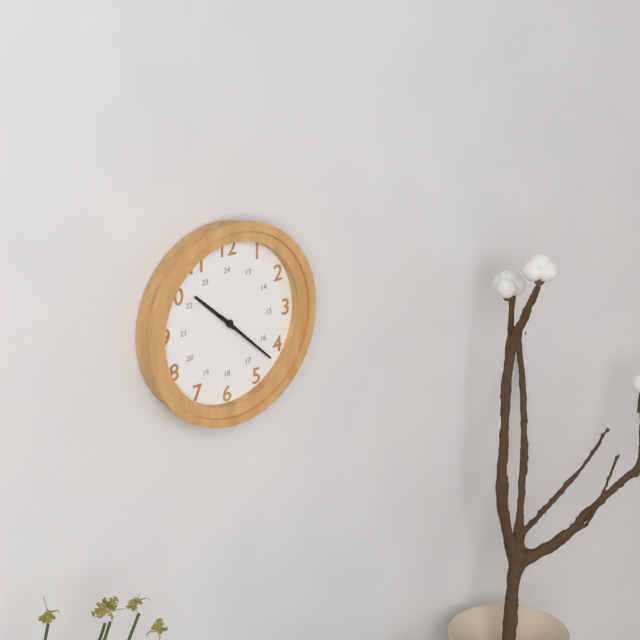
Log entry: h=10 m=22
